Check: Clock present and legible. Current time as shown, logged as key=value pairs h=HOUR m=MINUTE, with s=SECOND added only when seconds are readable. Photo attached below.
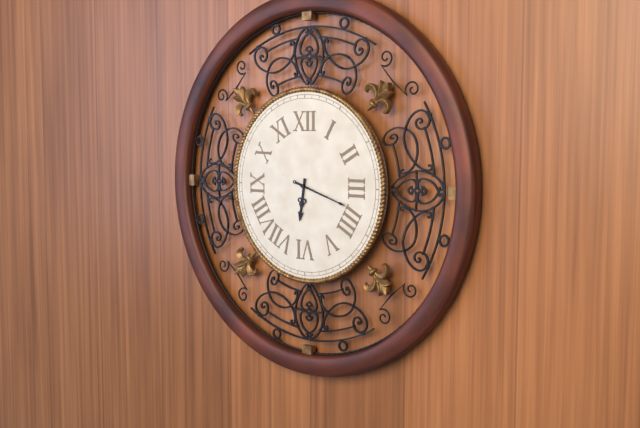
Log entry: h=6 m=18
